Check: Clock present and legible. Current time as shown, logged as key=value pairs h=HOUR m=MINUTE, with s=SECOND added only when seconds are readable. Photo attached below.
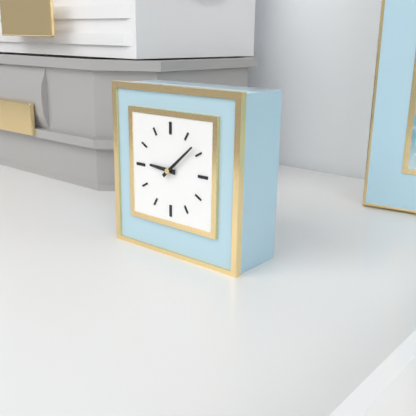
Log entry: h=9 m=8
